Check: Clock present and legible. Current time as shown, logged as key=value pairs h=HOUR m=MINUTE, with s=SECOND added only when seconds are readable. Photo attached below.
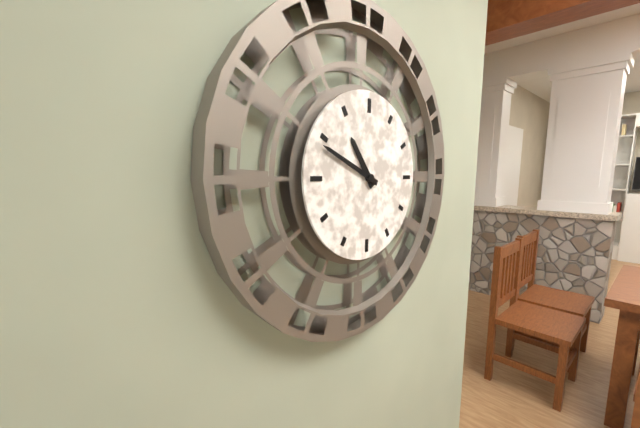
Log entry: h=10 m=49
